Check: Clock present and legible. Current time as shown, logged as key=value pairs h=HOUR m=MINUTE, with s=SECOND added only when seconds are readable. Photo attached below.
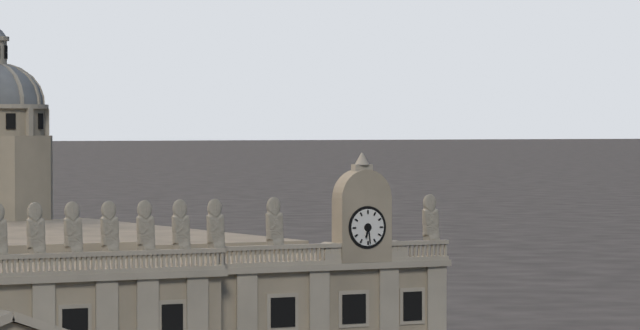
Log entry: h=6 m=29
